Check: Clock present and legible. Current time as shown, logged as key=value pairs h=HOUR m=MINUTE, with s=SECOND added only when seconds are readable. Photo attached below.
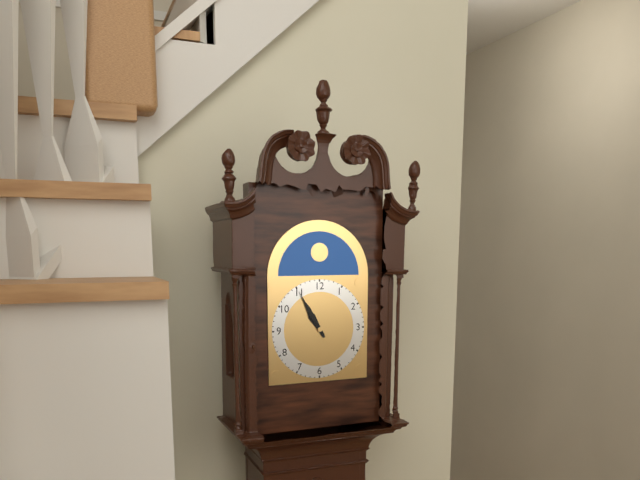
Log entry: h=10 m=55
